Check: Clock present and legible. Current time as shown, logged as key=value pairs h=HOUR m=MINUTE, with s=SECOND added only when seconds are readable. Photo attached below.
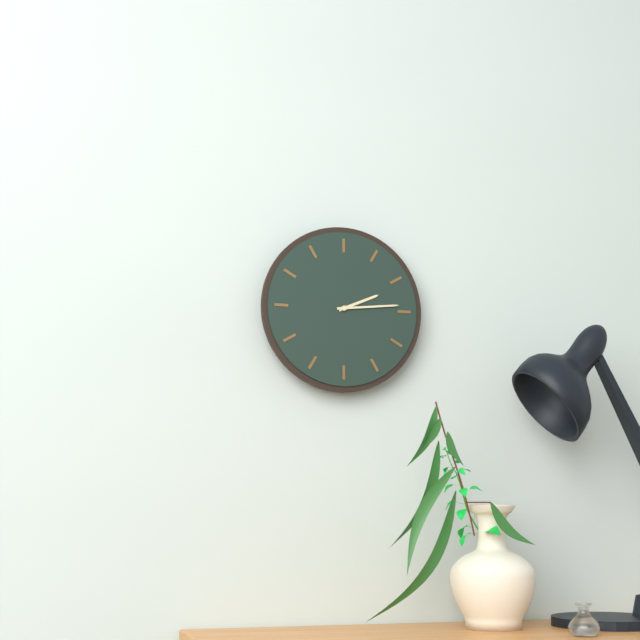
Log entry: h=2 m=14
